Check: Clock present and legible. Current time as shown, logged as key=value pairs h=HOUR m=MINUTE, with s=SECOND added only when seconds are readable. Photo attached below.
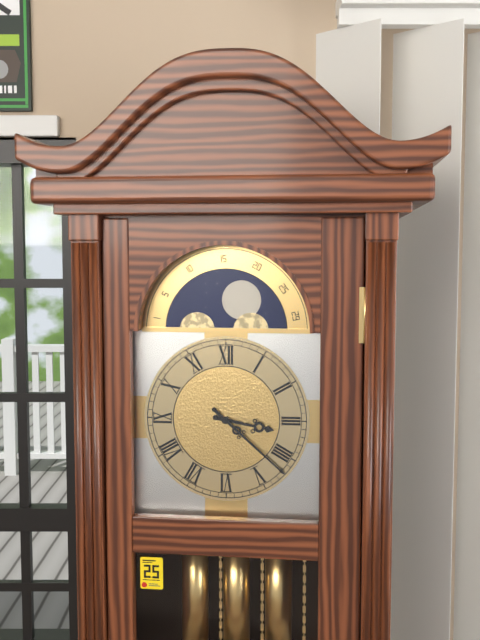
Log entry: h=3 m=22
